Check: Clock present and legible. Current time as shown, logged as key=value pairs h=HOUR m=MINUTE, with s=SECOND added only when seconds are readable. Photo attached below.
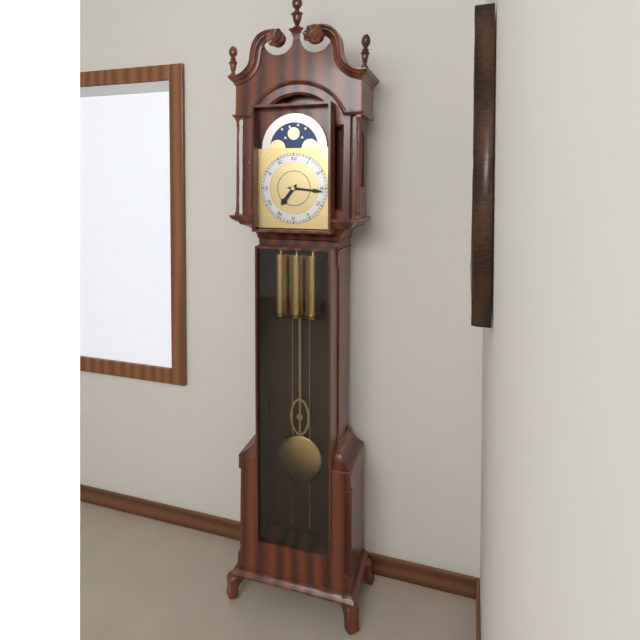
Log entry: h=7 m=16
